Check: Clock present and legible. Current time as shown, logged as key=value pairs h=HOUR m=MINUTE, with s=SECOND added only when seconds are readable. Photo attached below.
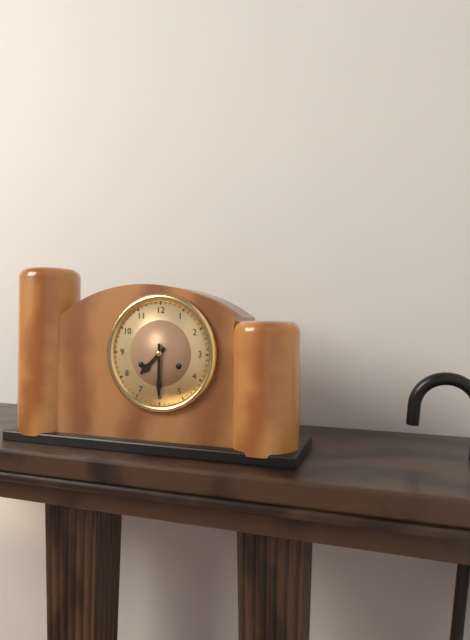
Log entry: h=7 m=30
